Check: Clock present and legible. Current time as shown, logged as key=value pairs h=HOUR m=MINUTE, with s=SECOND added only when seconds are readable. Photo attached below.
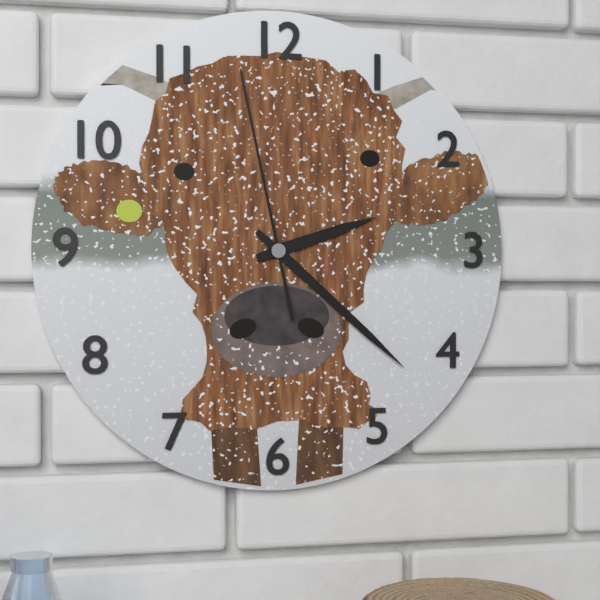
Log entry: h=2 m=22 s=58
